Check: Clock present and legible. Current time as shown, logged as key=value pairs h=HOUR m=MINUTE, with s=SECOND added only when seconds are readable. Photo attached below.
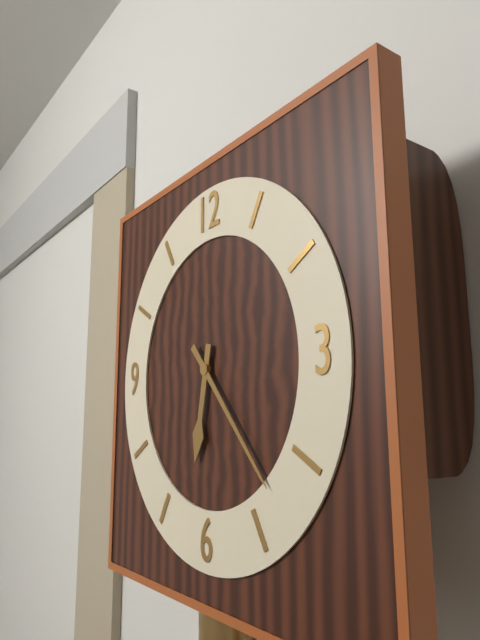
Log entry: h=6 m=23
